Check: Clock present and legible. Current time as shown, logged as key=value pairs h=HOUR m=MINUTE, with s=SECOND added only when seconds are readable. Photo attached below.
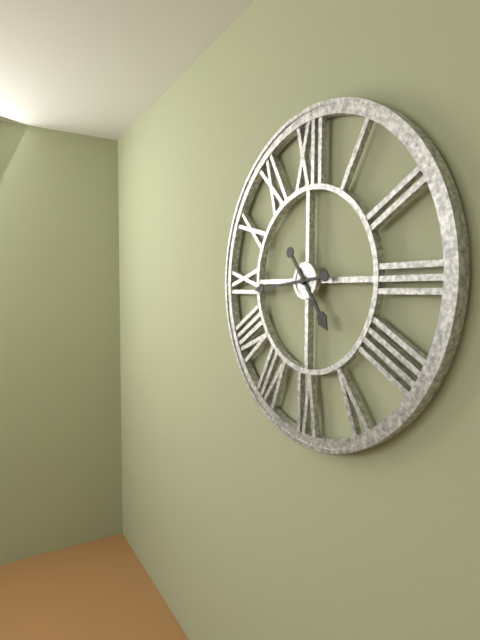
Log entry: h=4 m=44
